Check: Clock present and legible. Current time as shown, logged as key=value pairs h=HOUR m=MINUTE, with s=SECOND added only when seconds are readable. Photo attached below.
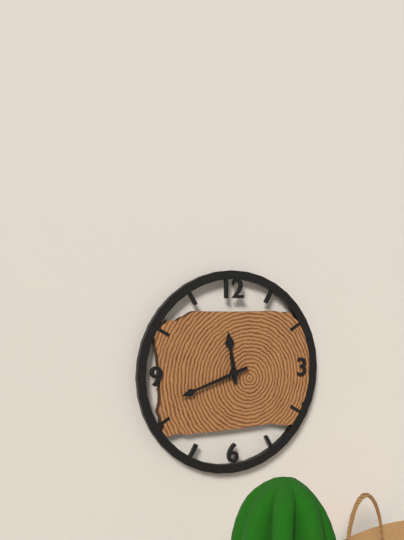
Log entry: h=11 m=42
